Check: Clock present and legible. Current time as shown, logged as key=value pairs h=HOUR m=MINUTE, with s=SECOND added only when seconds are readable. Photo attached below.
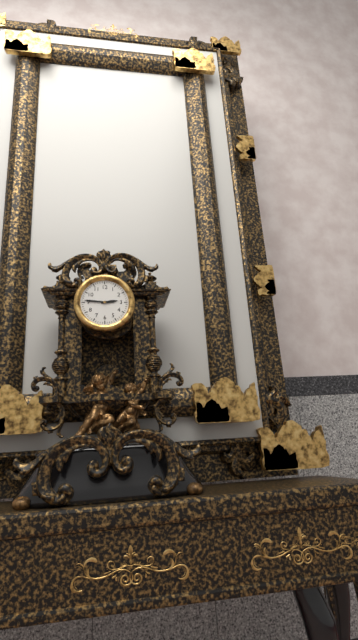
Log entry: h=2 m=46
